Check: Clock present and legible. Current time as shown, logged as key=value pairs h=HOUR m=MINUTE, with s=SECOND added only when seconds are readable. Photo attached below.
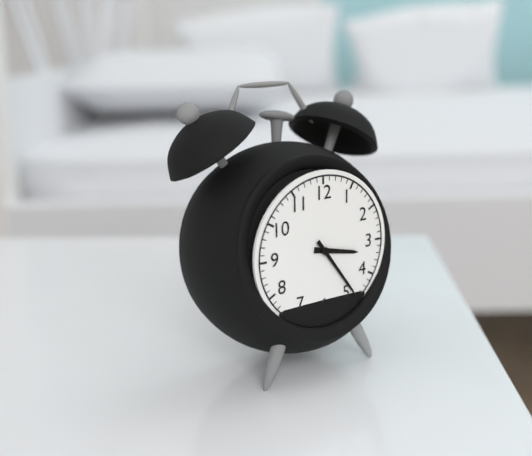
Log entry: h=3 m=24
